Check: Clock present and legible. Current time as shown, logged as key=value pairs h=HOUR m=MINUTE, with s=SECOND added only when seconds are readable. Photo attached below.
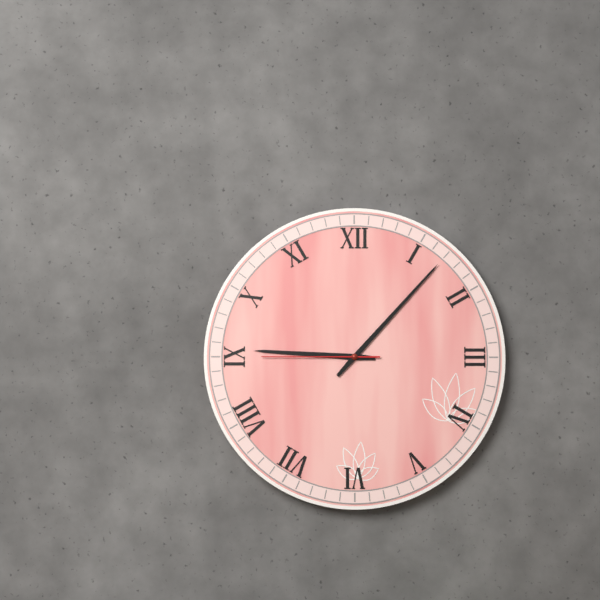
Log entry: h=9 m=7 s=45
